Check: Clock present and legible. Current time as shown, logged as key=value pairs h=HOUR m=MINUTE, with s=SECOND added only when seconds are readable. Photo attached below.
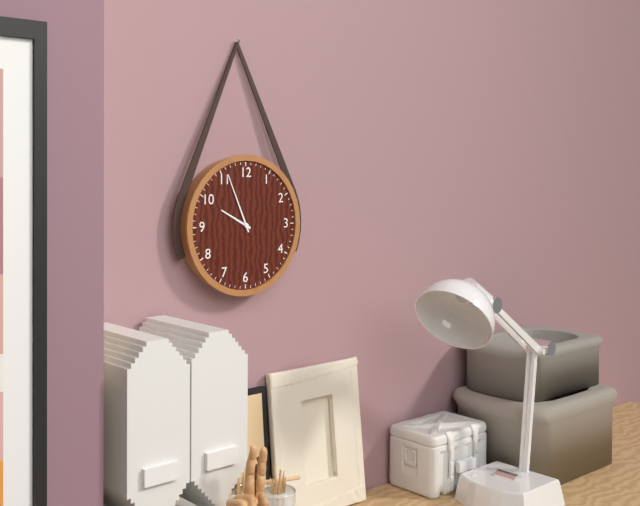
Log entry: h=9 m=56
